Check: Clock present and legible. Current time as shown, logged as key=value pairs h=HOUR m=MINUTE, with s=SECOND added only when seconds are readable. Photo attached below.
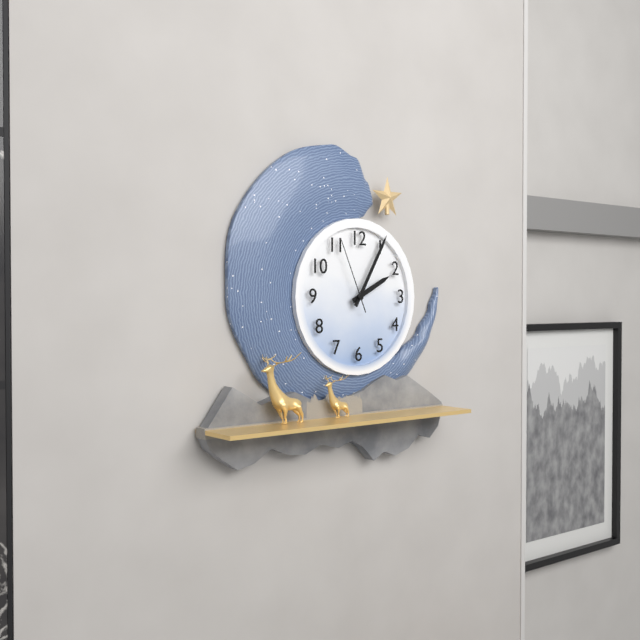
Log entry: h=2 m=5 s=56
